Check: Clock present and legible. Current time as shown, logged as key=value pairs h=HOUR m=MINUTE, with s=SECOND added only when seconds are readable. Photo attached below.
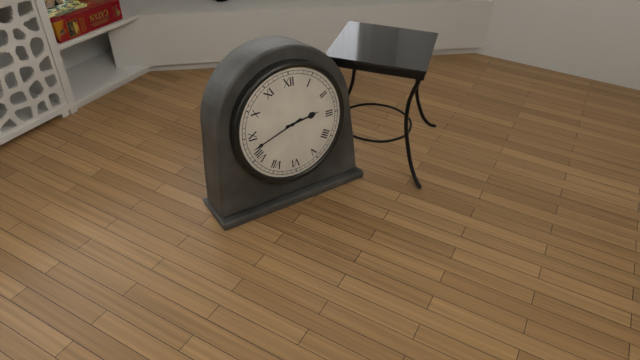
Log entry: h=2 m=42
